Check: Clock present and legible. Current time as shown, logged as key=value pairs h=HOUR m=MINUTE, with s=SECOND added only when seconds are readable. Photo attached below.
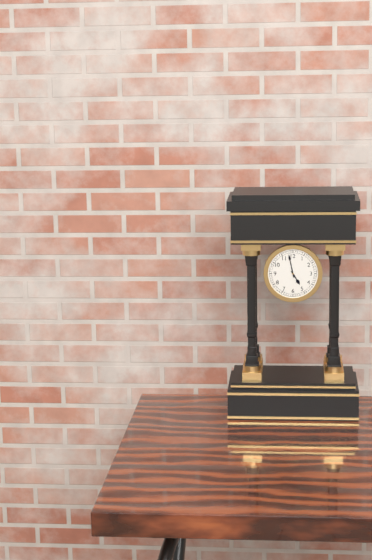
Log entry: h=4 m=58
